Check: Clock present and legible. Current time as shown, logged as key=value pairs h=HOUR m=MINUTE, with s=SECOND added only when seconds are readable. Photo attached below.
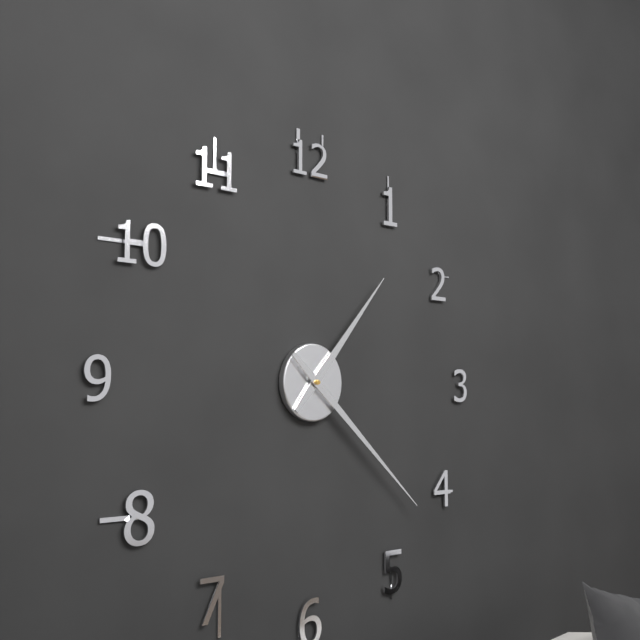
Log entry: h=1 m=22
